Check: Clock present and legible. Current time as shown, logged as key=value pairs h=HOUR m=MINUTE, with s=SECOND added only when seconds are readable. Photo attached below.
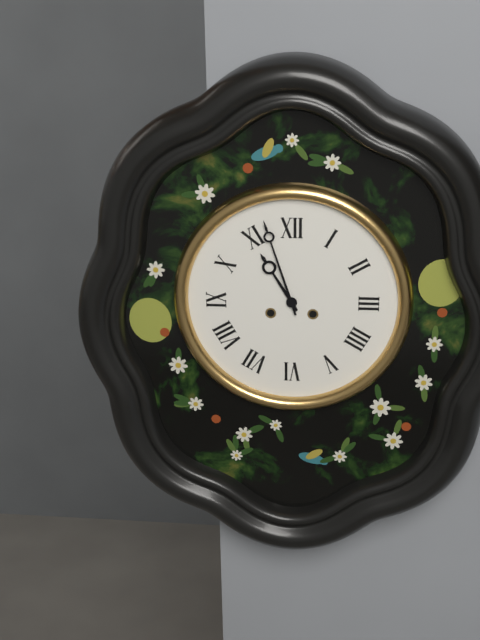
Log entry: h=10 m=57
